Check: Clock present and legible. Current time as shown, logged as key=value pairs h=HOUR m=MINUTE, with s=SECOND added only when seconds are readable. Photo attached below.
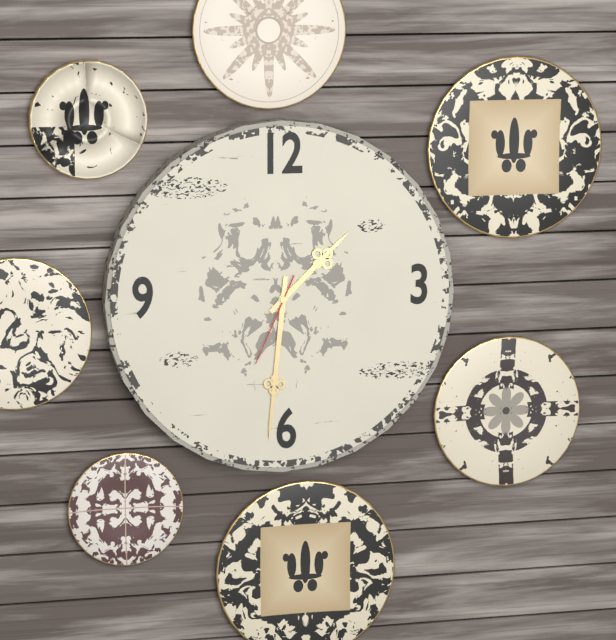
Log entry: h=1 m=31 s=34
